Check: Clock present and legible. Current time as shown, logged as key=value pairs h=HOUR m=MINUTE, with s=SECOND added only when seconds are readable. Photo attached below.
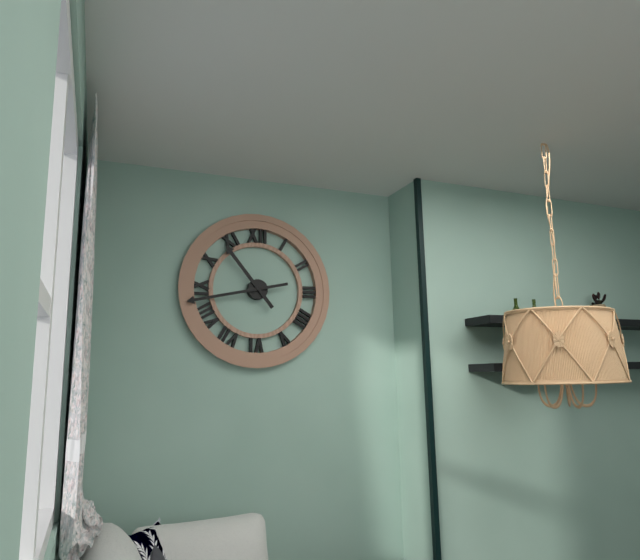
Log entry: h=10 m=43
